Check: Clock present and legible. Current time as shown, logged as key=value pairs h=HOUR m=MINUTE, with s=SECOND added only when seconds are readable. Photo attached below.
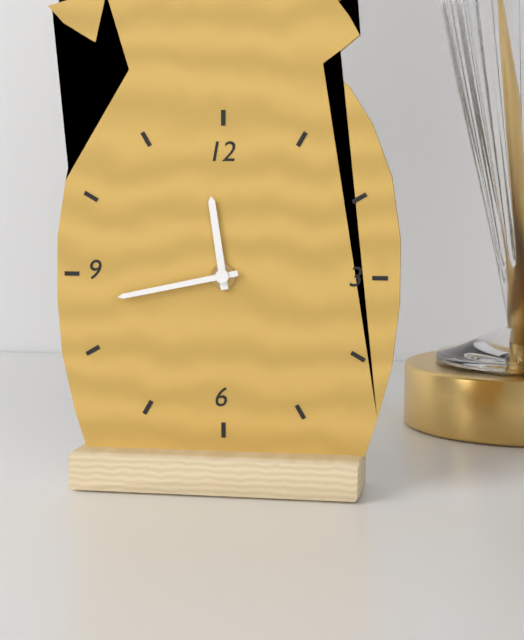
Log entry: h=11 m=43
